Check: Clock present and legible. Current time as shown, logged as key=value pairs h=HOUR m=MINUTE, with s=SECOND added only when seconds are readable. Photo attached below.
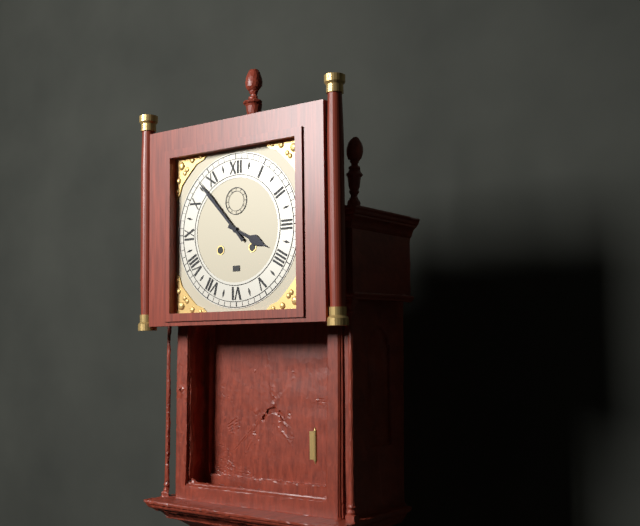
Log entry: h=3 m=53
